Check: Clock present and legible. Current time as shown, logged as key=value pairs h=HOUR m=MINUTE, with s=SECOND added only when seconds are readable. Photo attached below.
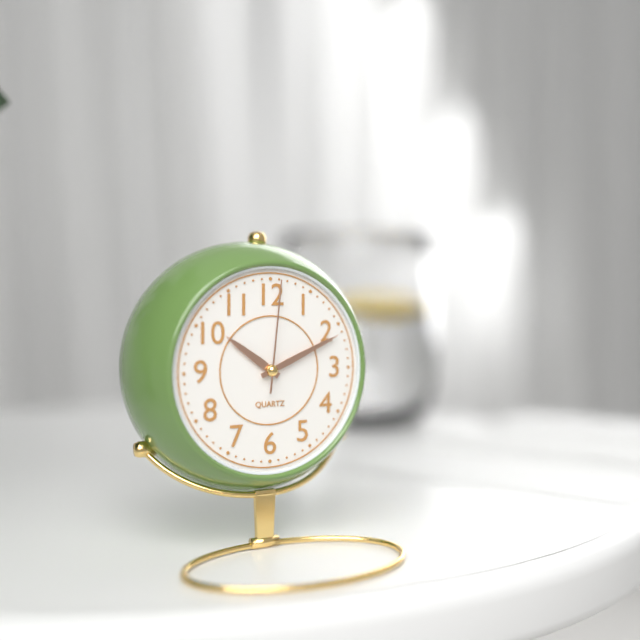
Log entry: h=10 m=11 s=1
